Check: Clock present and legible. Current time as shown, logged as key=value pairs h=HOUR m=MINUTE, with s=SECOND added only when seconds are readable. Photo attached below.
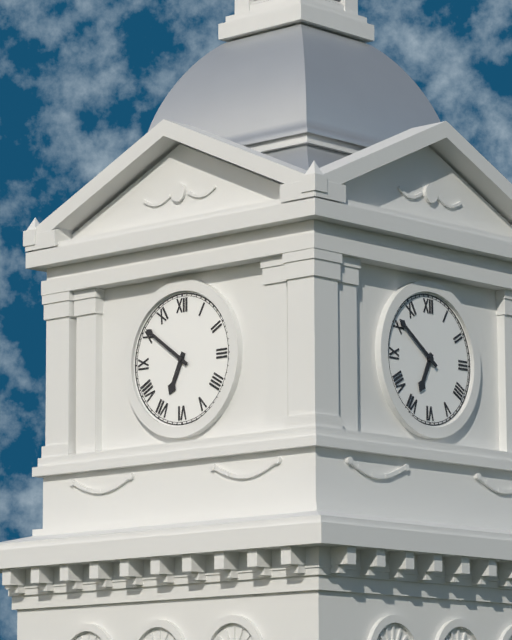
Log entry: h=6 m=51
